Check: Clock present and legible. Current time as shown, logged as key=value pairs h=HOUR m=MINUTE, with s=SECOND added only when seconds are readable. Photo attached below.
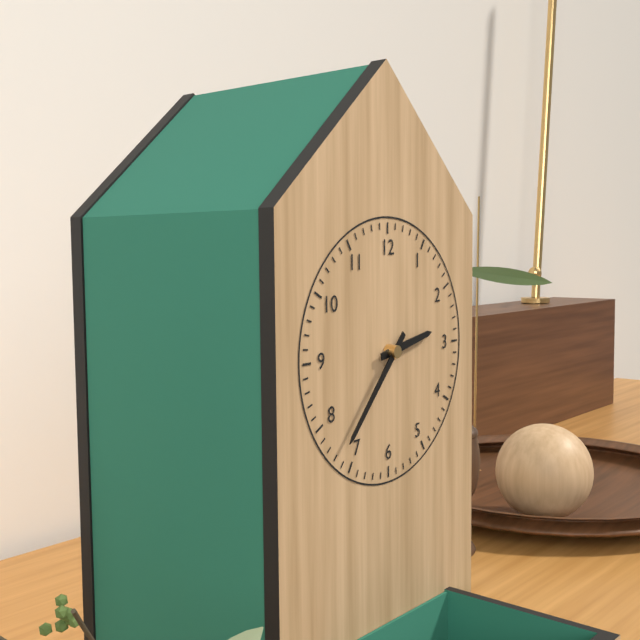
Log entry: h=2 m=37
